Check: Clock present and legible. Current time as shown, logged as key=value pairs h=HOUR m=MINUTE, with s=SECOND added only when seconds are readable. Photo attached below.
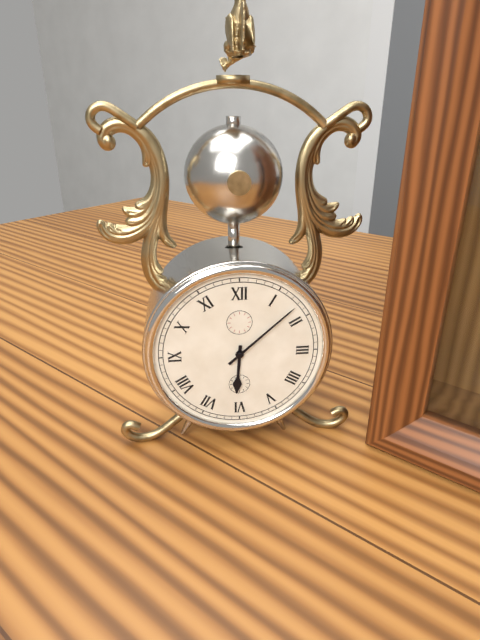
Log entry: h=6 m=8
